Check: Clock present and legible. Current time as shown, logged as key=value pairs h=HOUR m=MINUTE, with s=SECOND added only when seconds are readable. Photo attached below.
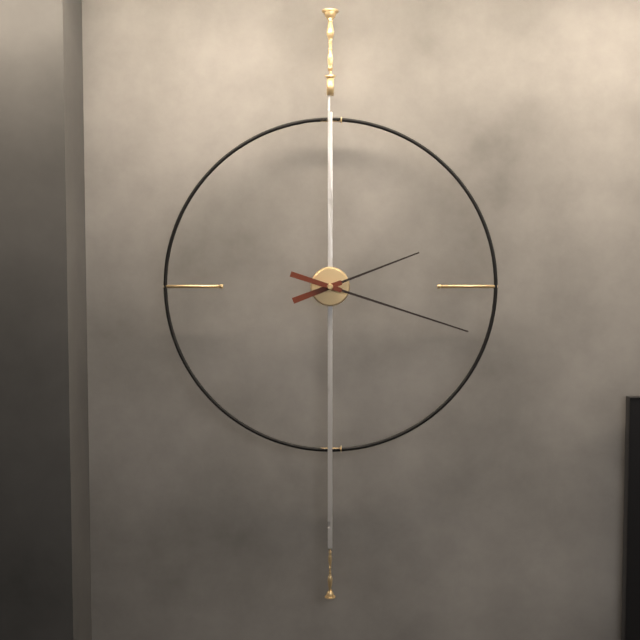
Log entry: h=2 m=18
